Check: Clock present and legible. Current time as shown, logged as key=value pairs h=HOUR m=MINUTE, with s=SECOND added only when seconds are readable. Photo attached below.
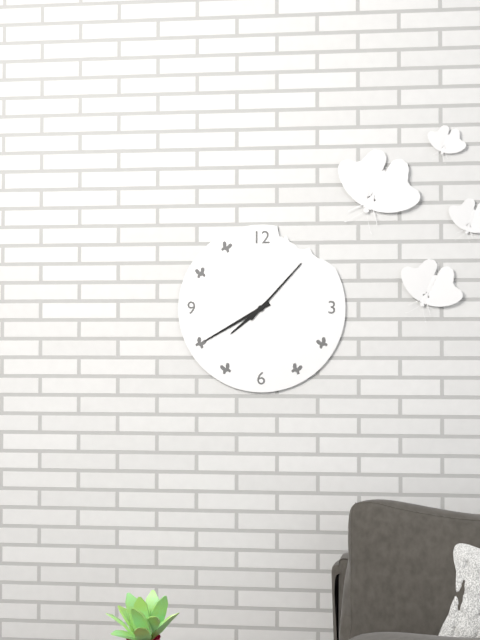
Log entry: h=7 m=40 s=7
